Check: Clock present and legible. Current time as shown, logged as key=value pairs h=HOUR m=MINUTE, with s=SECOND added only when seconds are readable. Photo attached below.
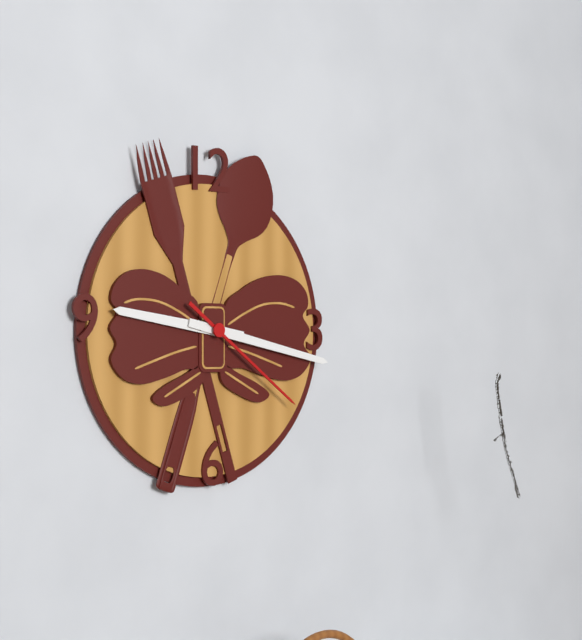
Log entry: h=9 m=17 s=21
